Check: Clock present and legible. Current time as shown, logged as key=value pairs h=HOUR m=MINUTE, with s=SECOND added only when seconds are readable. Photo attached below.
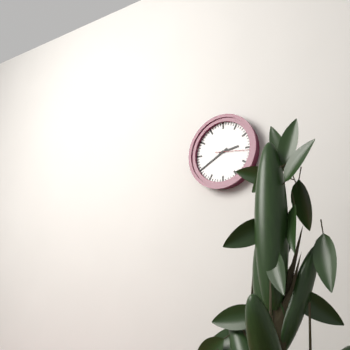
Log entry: h=2 m=40
